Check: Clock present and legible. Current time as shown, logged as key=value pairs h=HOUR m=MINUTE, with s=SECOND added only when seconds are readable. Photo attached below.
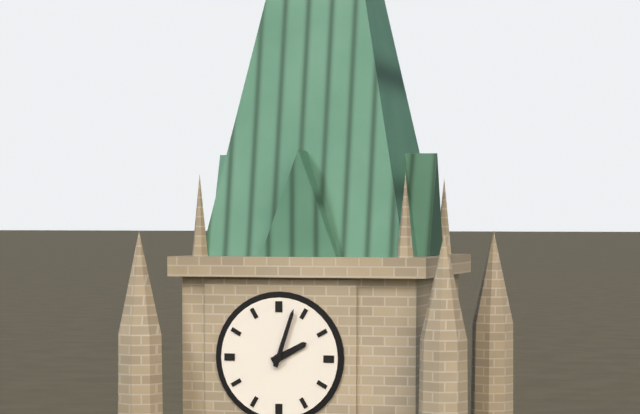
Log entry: h=2 m=3
